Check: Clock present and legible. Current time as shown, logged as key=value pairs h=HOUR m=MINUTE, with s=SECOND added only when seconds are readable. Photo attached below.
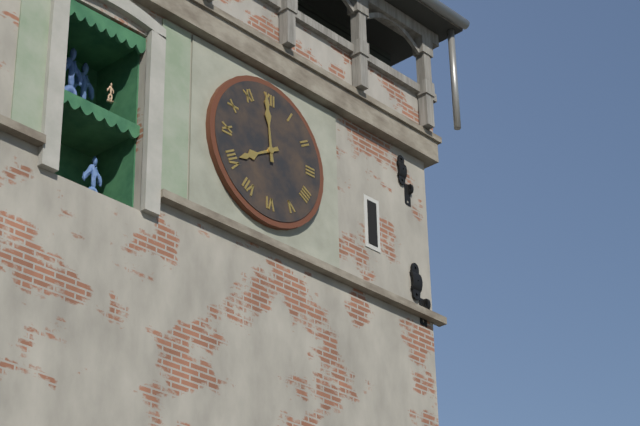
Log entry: h=7 m=59
